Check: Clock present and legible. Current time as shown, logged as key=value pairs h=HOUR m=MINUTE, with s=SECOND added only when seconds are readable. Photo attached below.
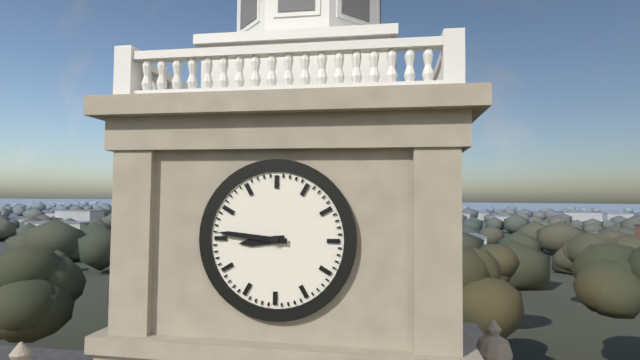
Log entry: h=8 m=46
